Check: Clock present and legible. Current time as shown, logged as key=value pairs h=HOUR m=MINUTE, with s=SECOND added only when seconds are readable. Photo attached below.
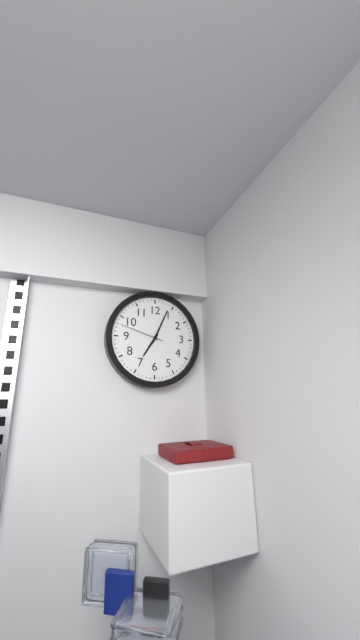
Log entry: h=7 m=4
